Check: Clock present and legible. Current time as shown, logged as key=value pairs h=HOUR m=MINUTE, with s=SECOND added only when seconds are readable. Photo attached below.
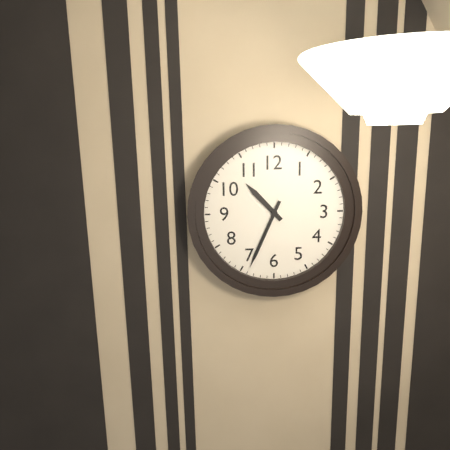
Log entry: h=10 m=34
